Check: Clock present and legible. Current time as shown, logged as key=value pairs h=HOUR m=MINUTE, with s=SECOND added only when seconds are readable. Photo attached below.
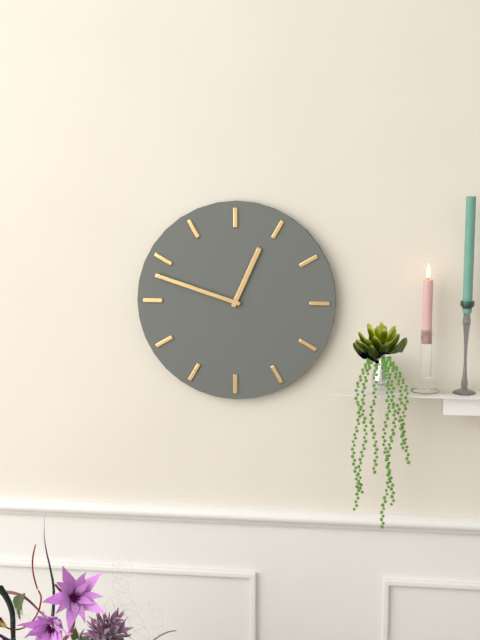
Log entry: h=12 m=48
